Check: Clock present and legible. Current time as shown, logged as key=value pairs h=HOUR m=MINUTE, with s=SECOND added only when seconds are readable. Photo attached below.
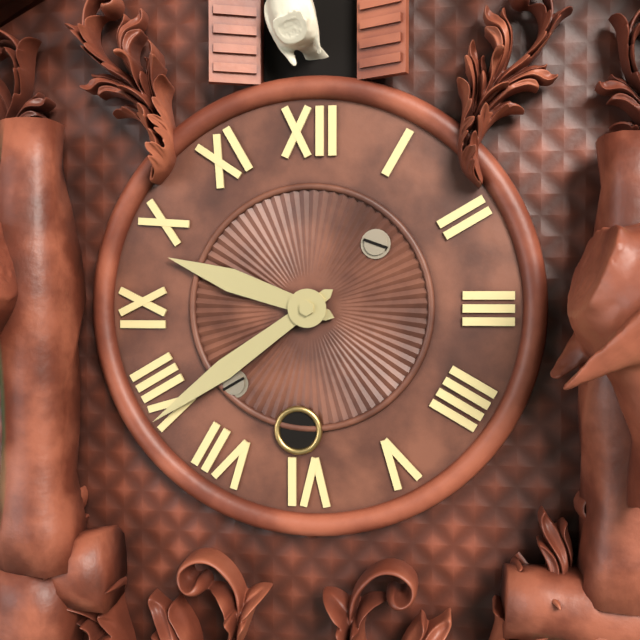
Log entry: h=9 m=39
